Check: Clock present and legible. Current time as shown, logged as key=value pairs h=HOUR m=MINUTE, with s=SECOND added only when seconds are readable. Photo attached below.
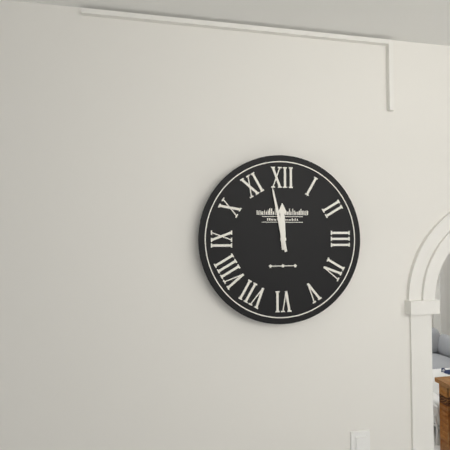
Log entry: h=11 m=58
